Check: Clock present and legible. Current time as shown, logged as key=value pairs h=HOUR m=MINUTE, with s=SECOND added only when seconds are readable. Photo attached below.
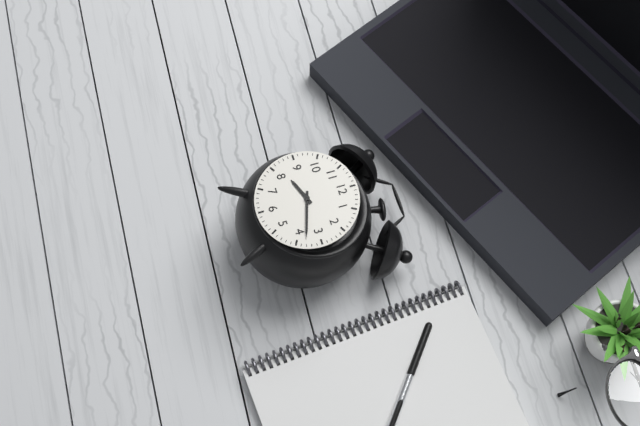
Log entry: h=8 m=18
